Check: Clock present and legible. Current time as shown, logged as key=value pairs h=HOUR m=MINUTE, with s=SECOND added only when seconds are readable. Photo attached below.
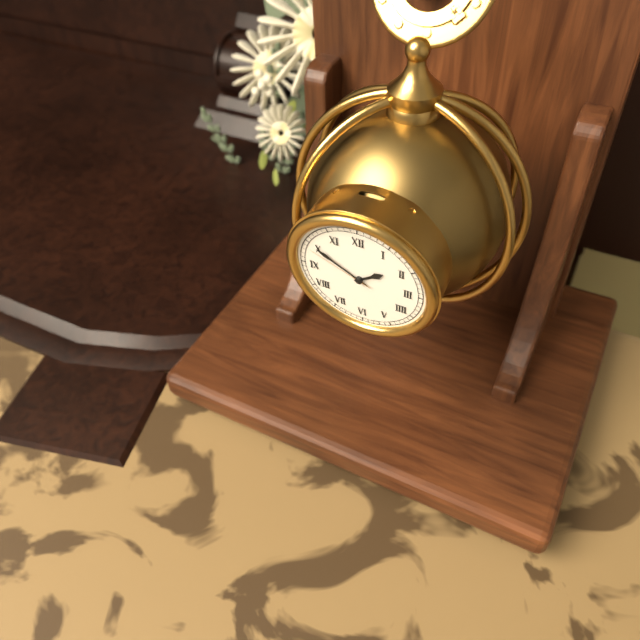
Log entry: h=1 m=50 s=49
